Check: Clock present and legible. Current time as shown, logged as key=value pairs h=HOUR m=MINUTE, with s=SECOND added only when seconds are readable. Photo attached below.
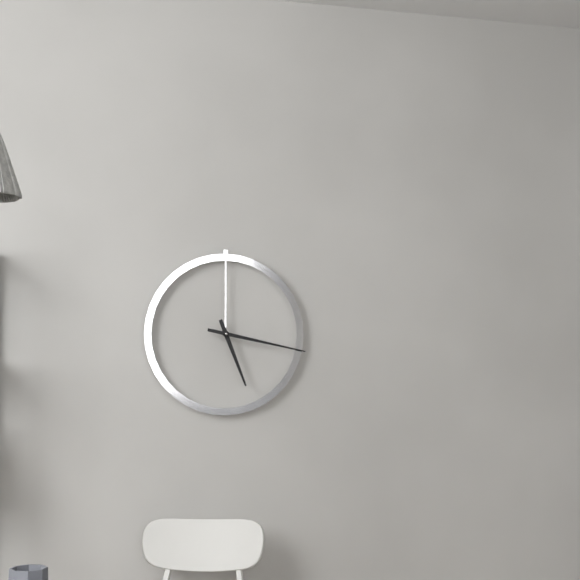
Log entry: h=5 m=17
